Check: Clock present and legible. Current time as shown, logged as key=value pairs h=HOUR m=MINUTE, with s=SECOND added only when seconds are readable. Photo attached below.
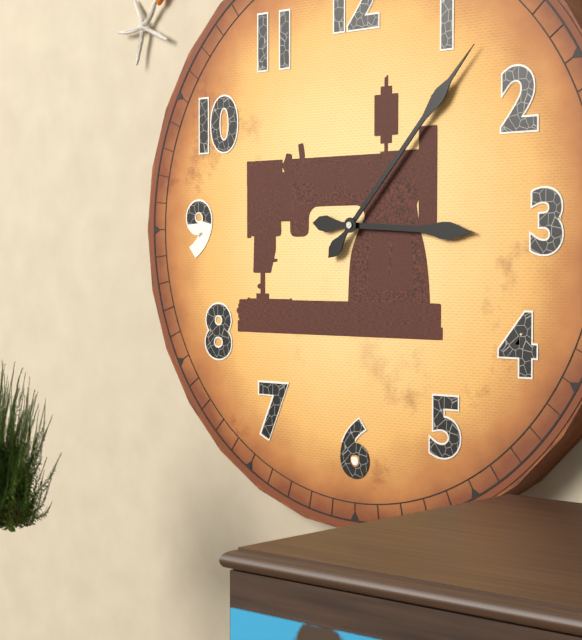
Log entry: h=3 m=7
